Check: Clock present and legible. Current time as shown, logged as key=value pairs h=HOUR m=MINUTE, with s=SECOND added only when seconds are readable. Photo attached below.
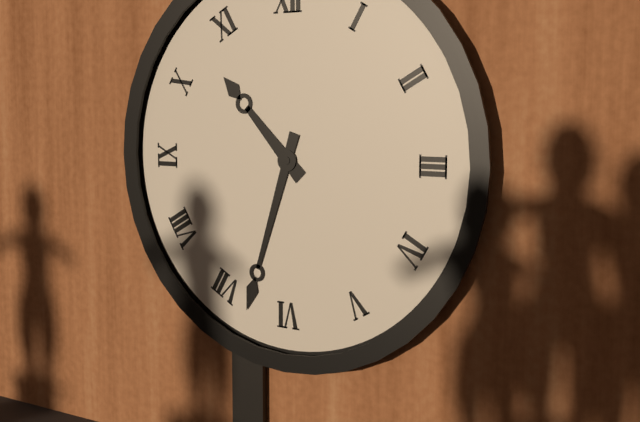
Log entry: h=10 m=33
